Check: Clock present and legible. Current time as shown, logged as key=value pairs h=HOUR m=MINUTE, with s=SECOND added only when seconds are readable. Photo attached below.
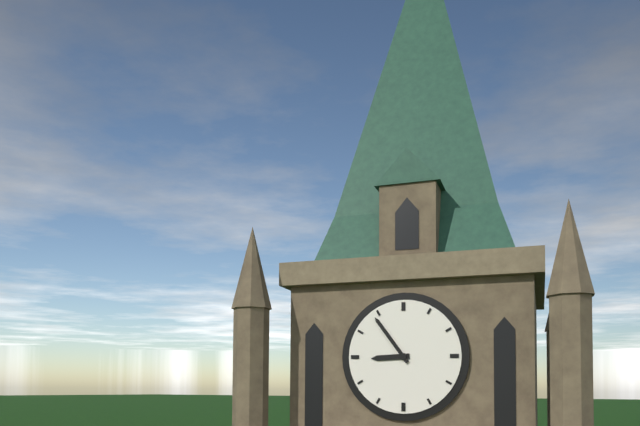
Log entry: h=8 m=54
